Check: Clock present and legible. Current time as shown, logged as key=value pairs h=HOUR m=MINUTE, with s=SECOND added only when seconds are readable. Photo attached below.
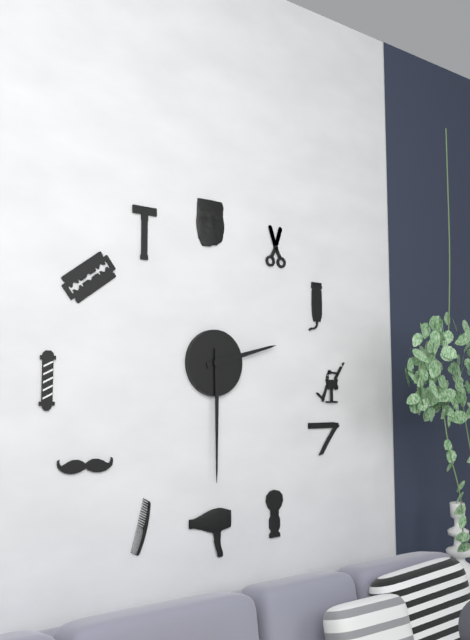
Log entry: h=2 m=30
